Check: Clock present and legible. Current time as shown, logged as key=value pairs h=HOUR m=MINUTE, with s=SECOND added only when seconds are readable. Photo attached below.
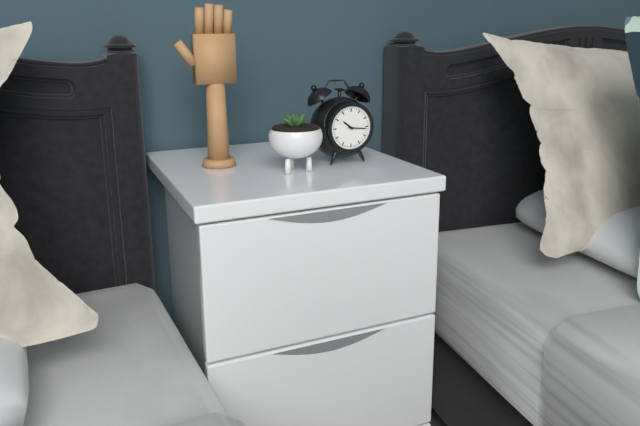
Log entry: h=10 m=16
